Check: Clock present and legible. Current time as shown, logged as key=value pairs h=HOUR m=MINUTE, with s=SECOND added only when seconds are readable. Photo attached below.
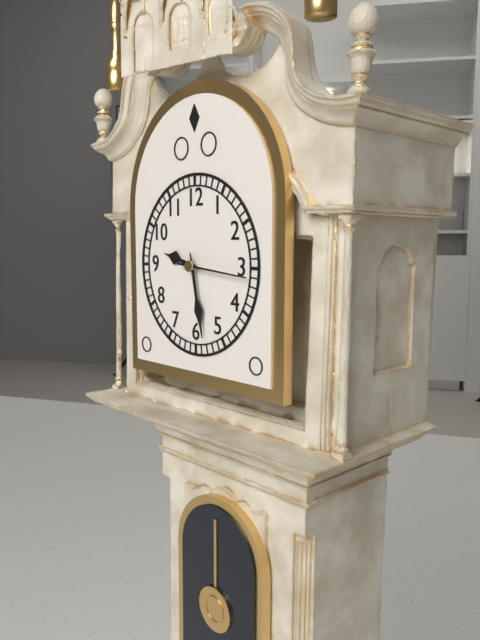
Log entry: h=9 m=28 s=16
